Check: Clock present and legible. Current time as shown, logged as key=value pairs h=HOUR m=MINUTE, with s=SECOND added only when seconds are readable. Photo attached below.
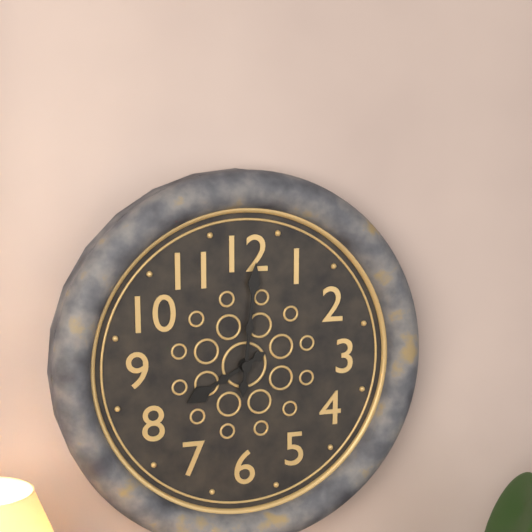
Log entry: h=8 m=1
